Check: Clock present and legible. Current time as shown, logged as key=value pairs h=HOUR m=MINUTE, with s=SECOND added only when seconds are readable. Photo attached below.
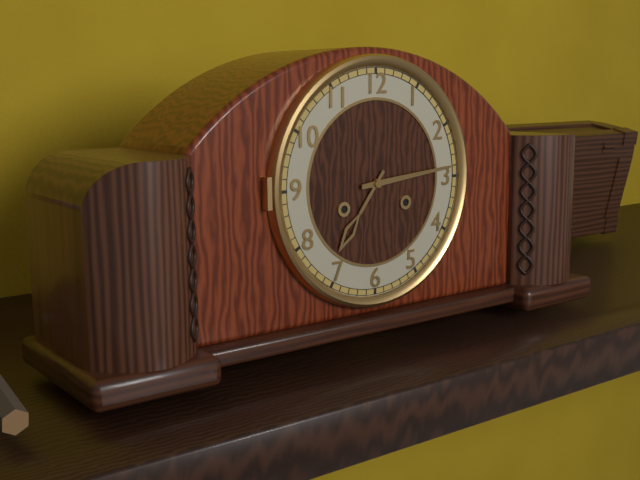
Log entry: h=7 m=14
